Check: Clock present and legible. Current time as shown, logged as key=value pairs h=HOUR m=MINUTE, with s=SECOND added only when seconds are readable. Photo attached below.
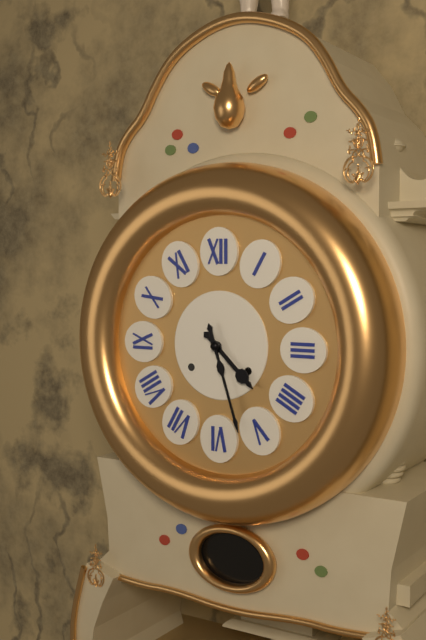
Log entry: h=4 m=27
